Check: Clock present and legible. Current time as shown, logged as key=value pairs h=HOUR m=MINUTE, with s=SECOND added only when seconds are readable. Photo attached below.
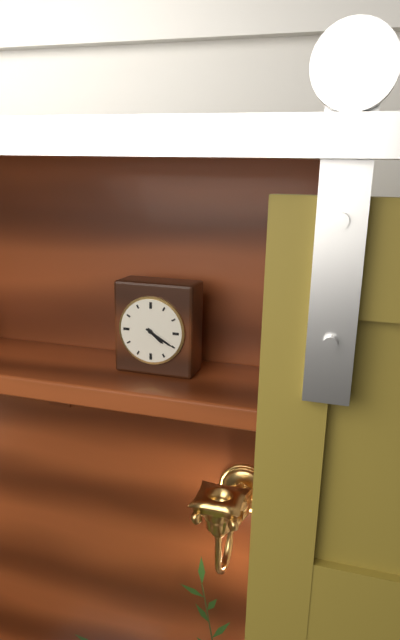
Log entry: h=4 m=20
